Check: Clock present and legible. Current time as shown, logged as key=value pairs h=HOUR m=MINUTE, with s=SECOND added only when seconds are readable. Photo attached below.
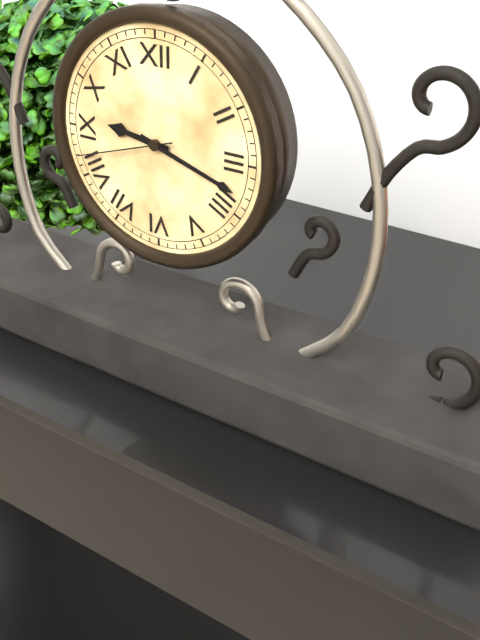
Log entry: h=9 m=18 s=42
